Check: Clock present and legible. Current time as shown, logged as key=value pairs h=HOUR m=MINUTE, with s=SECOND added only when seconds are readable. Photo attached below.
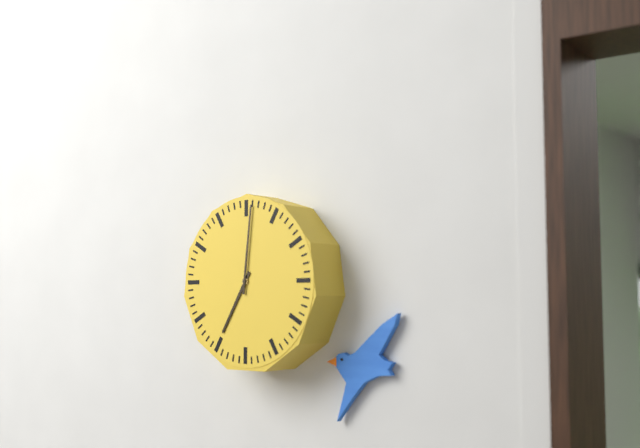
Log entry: h=7 m=1
